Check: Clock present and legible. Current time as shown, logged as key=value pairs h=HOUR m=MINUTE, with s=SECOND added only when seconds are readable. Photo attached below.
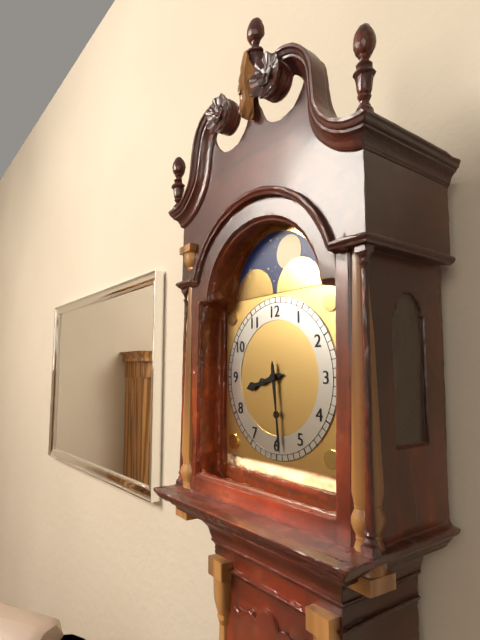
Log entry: h=8 m=29
